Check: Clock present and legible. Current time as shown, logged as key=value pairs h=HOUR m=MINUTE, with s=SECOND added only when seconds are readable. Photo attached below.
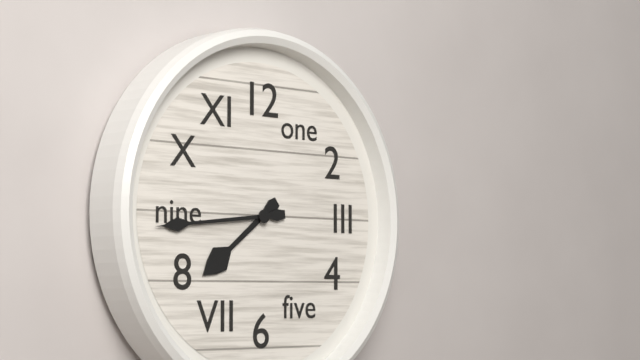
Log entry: h=7 m=44
